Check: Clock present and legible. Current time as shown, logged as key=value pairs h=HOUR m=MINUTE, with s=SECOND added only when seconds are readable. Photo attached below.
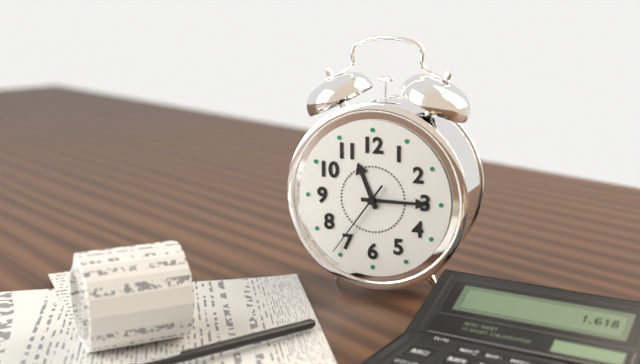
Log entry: h=11 m=15 s=36
